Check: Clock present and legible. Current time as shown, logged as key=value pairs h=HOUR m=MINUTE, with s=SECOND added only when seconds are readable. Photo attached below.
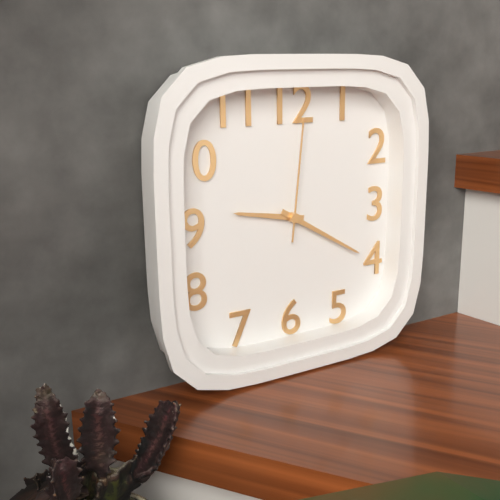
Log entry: h=9 m=20 s=1
